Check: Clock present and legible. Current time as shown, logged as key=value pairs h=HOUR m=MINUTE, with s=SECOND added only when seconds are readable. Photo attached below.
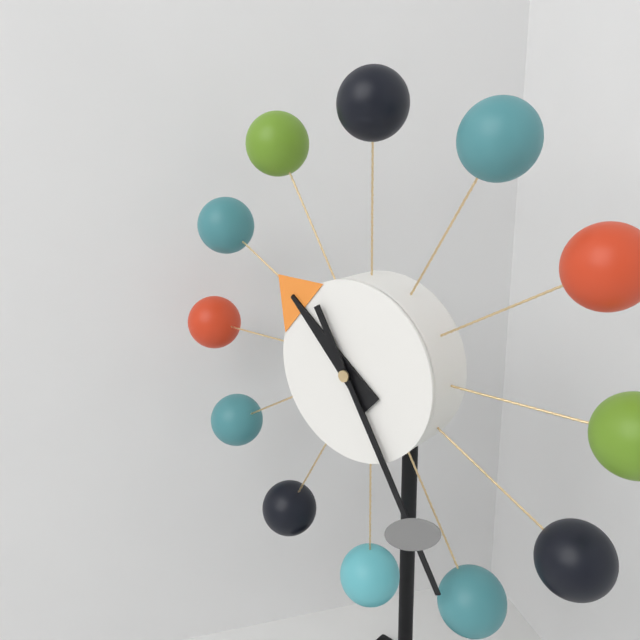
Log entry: h=10 m=25
